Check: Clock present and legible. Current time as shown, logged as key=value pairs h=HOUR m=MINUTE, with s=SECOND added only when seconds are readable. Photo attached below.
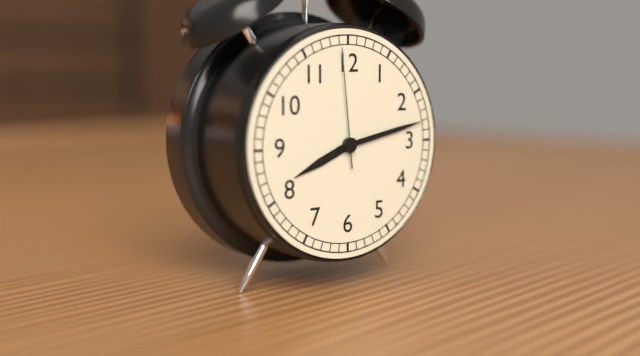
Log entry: h=8 m=13 s=59
